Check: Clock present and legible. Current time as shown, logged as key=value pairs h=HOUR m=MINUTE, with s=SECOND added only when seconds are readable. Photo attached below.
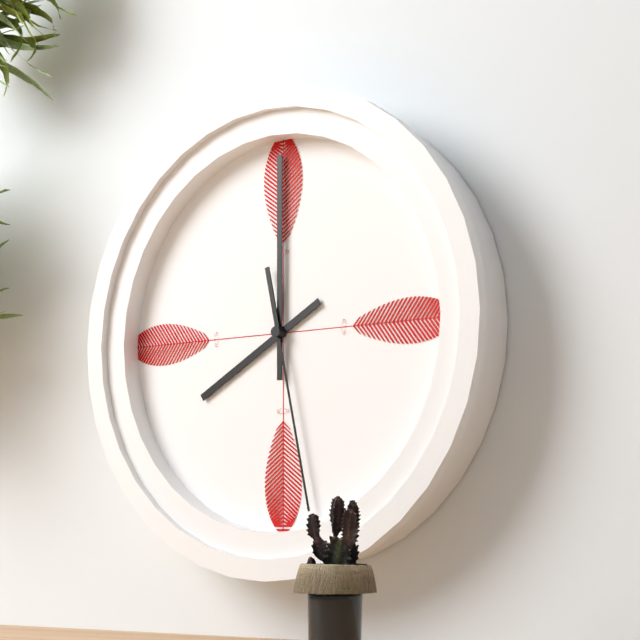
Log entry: h=8 m=0 s=28
